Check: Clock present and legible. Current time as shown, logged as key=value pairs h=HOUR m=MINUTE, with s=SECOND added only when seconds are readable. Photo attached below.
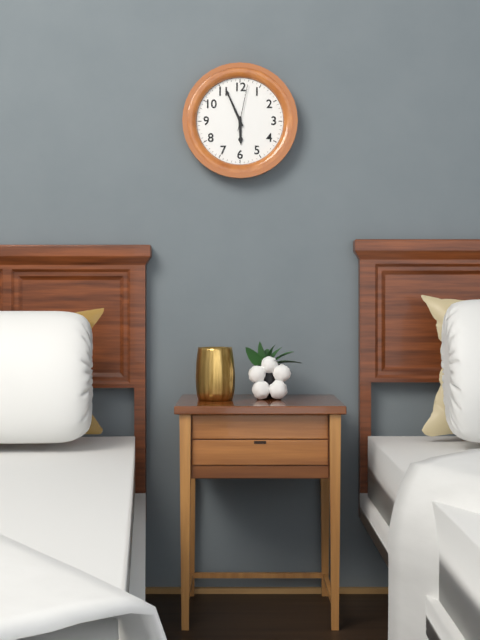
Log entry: h=5 m=56
